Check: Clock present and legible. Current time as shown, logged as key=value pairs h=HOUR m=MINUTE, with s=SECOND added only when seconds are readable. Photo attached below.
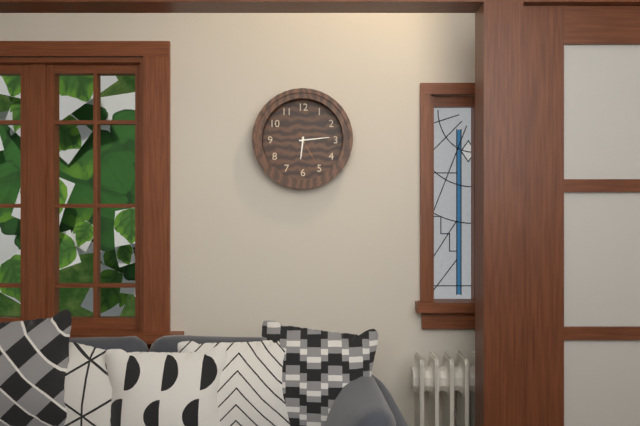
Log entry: h=6 m=14
